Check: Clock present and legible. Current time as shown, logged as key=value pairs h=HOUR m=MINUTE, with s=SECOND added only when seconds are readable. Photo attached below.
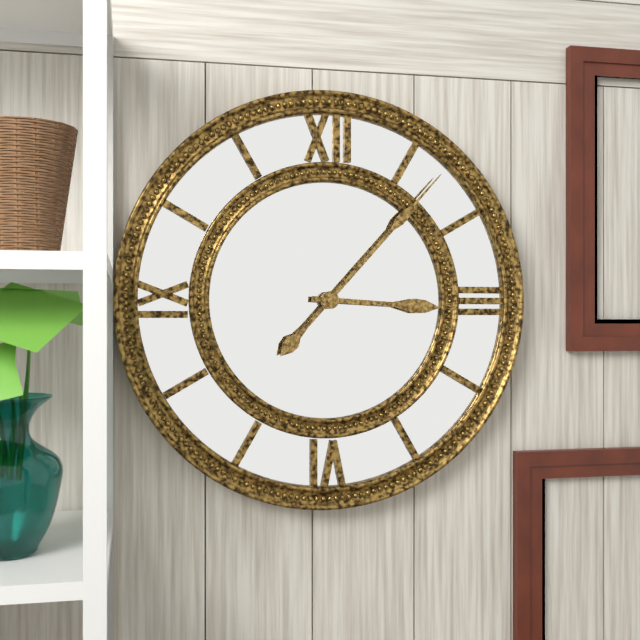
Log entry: h=3 m=7
